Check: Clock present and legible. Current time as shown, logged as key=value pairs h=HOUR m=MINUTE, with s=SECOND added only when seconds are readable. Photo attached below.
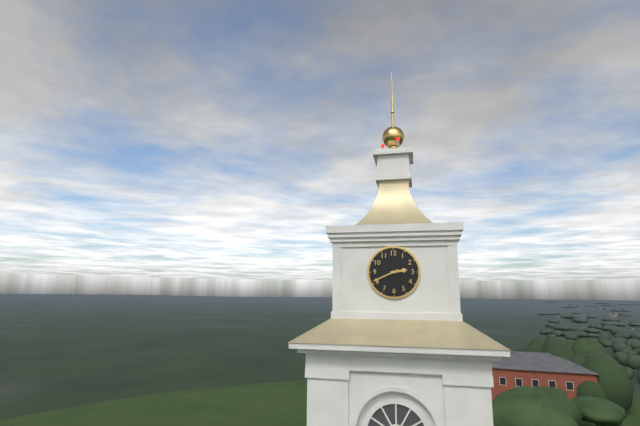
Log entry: h=2 m=41
